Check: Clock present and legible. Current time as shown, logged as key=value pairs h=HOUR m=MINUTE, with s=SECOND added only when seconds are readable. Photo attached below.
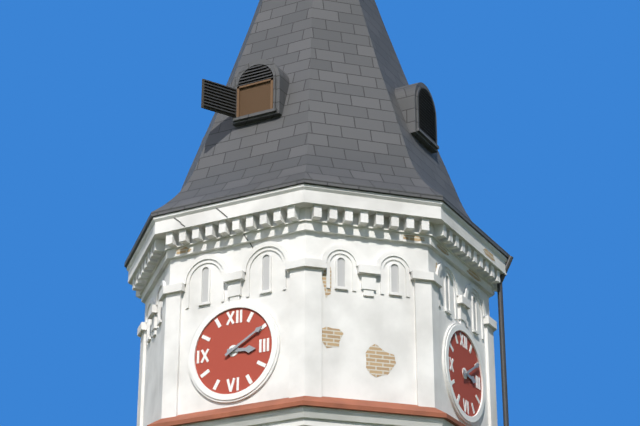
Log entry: h=3 m=10
